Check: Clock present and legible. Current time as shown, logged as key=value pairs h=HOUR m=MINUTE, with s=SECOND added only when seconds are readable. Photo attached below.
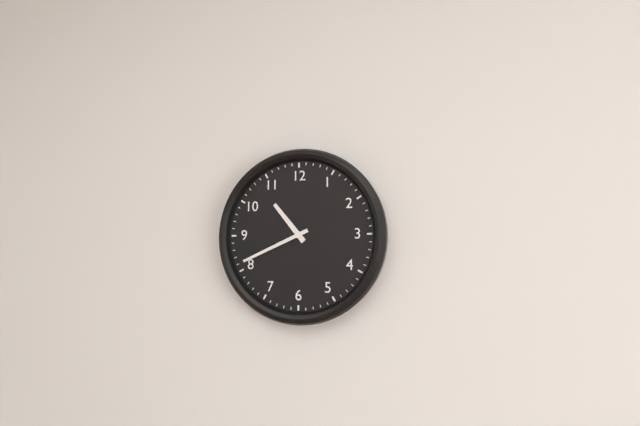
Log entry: h=10 m=41
